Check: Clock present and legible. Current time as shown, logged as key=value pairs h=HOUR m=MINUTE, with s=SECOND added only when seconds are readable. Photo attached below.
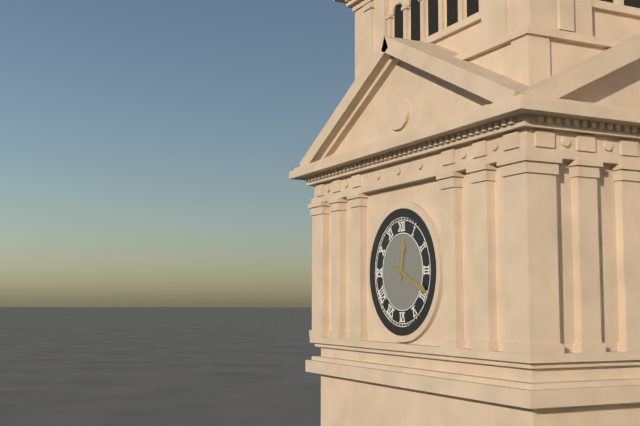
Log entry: h=12 m=19
